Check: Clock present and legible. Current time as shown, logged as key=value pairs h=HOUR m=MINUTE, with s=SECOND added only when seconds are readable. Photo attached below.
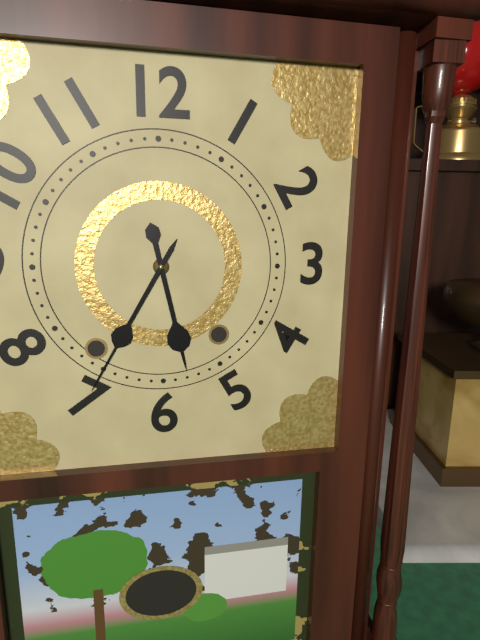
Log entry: h=5 m=35
